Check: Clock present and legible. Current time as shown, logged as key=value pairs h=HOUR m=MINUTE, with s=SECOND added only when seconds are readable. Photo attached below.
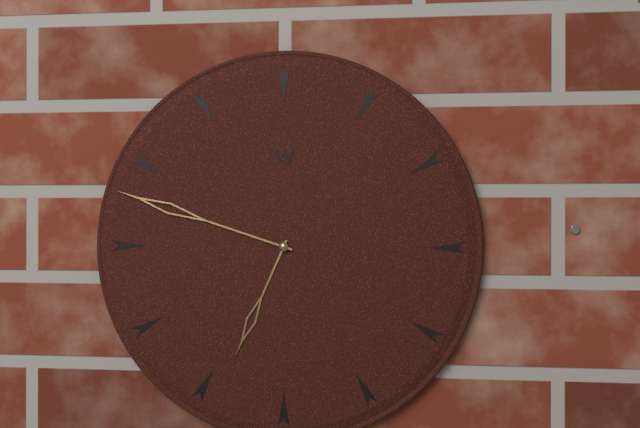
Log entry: h=6 m=48
